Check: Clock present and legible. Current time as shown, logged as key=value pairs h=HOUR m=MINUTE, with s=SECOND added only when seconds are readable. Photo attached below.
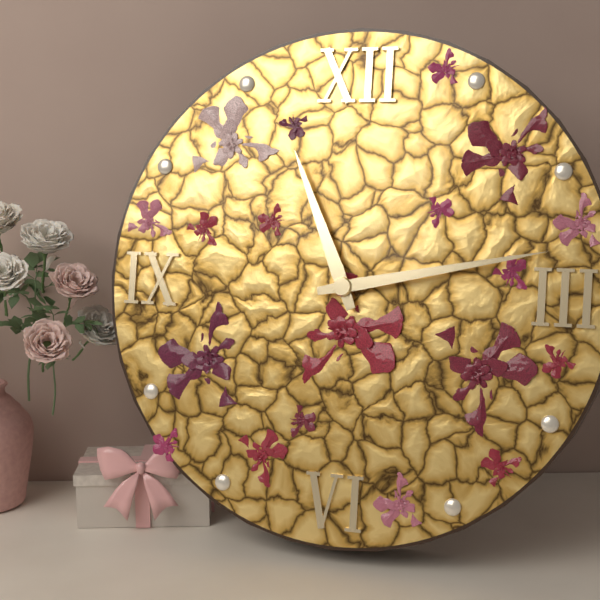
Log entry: h=11 m=13
